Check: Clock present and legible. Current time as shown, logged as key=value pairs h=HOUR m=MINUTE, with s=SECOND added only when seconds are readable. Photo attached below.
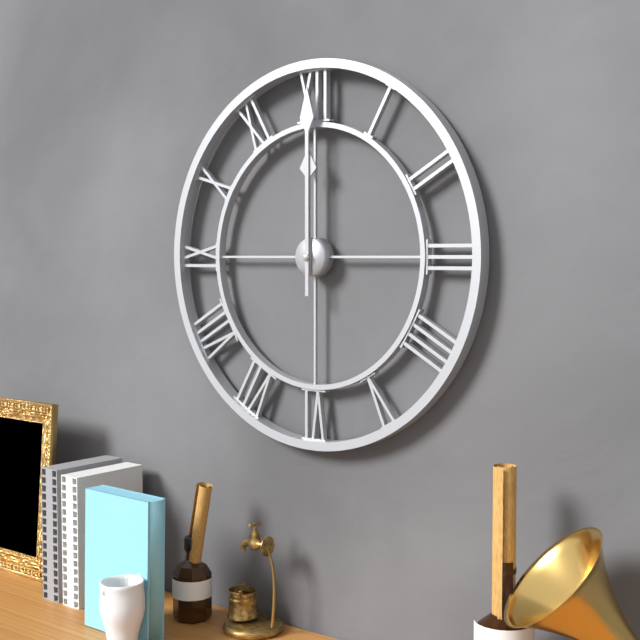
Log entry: h=12 m=0
